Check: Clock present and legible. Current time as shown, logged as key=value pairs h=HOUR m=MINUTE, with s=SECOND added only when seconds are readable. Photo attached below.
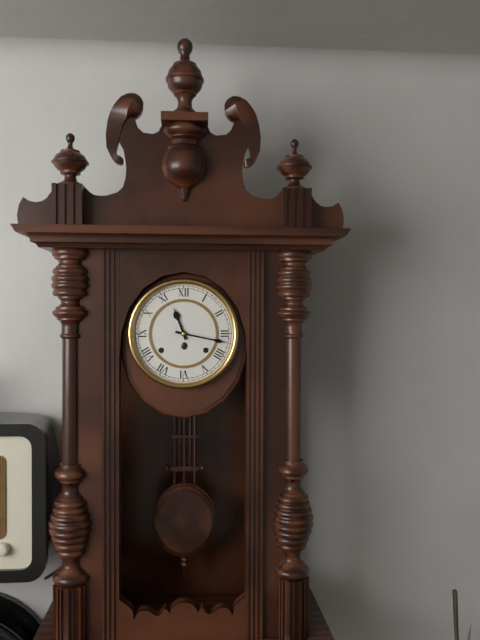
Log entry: h=11 m=17
